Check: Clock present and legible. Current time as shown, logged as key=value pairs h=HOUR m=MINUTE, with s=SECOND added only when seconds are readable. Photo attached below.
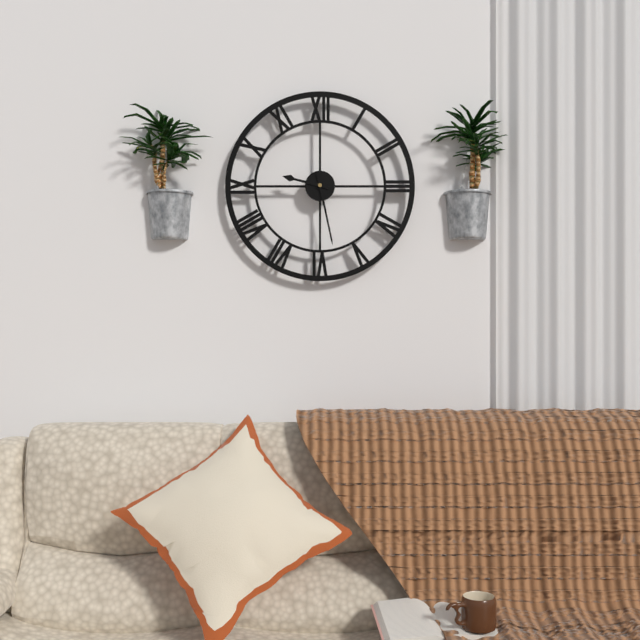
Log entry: h=9 m=28
